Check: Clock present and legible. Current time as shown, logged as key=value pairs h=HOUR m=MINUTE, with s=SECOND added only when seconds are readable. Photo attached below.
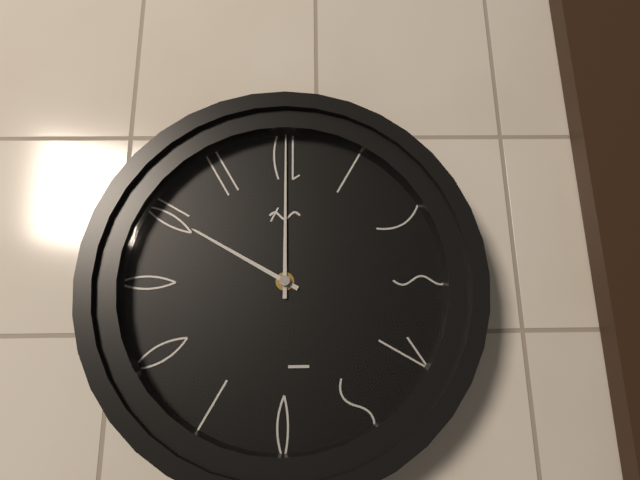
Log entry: h=10 m=0
